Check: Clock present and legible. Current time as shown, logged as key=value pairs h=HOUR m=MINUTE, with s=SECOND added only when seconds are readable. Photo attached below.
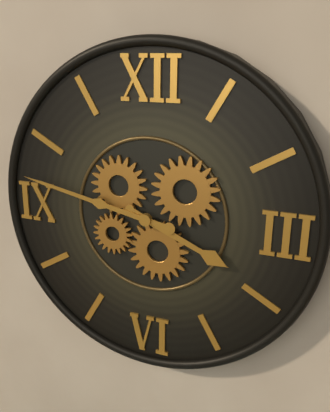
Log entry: h=3 m=47
